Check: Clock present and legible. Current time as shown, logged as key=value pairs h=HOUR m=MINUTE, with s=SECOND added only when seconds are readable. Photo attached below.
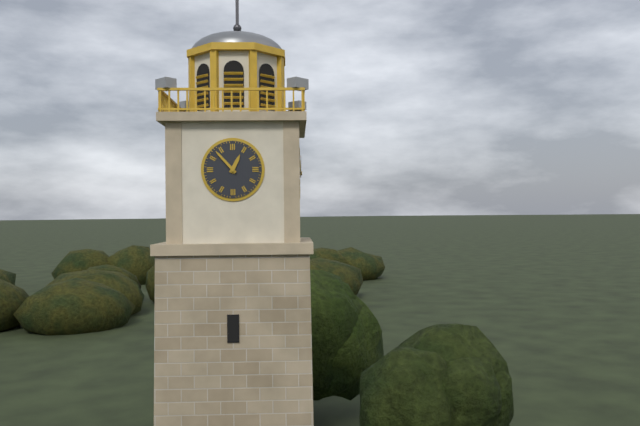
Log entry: h=12 m=53
